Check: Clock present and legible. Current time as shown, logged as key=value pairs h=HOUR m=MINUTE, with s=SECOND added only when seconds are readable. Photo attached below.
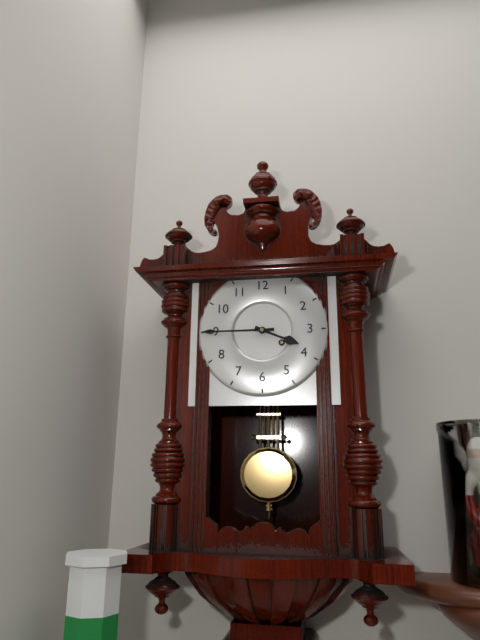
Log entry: h=3 m=45
